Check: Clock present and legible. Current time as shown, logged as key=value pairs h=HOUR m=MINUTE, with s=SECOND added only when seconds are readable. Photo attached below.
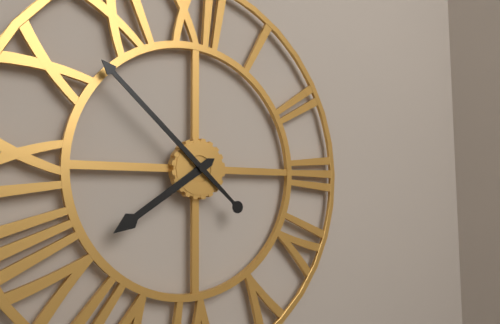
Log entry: h=7 m=52
